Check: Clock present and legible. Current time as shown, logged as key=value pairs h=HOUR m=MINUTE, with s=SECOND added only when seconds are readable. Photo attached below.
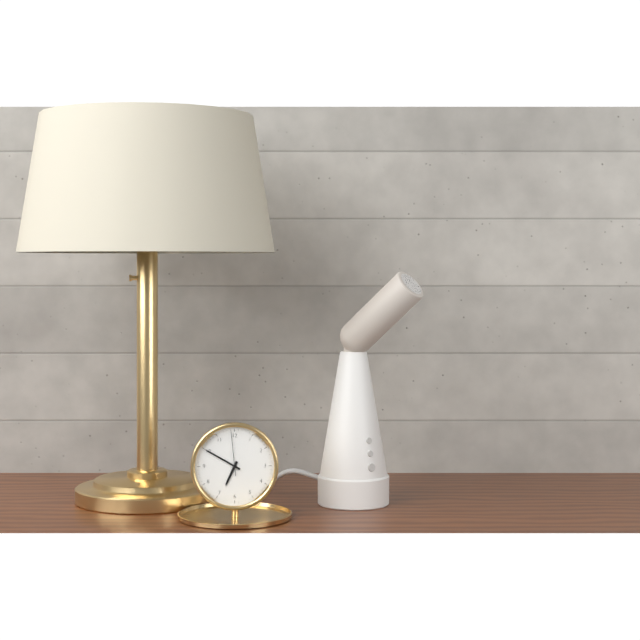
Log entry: h=6 m=50
